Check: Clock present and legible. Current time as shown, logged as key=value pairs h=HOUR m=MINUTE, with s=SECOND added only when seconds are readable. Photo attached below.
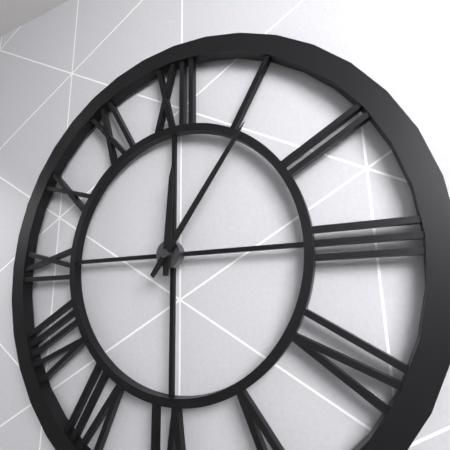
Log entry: h=12 m=6
